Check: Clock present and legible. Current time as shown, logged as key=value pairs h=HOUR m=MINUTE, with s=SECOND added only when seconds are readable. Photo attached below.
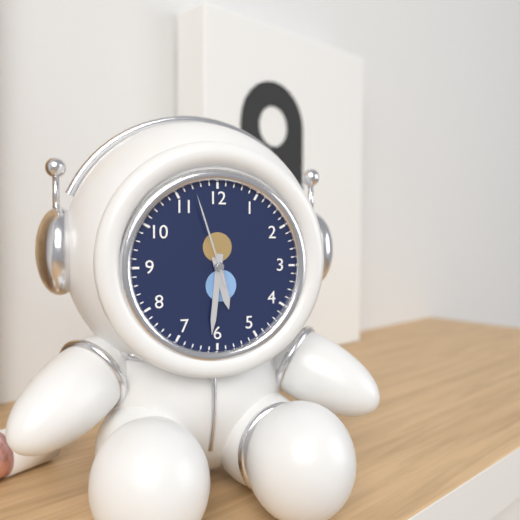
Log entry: h=5 m=31 s=57
